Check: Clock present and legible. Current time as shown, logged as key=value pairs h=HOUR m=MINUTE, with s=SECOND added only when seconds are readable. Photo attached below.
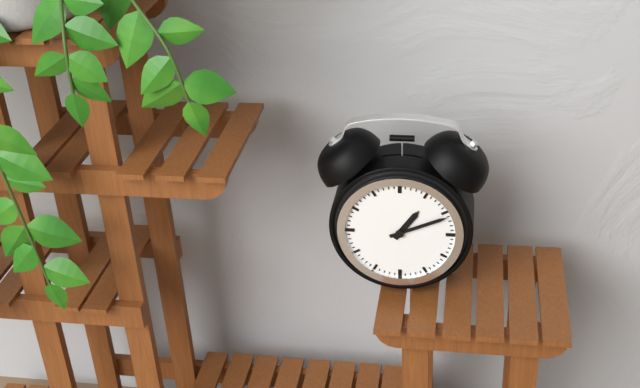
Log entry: h=1 m=11
